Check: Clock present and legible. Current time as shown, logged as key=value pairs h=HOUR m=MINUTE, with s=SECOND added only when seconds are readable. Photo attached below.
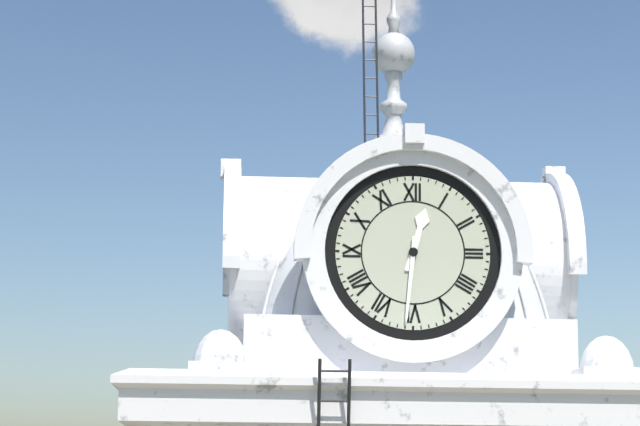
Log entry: h=12 m=31
